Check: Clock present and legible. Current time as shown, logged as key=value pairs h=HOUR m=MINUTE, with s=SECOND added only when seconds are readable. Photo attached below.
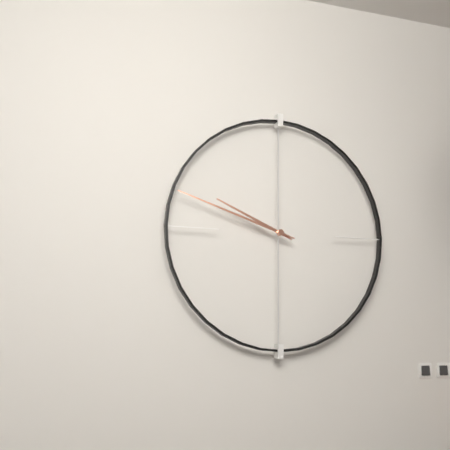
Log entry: h=9 m=48
